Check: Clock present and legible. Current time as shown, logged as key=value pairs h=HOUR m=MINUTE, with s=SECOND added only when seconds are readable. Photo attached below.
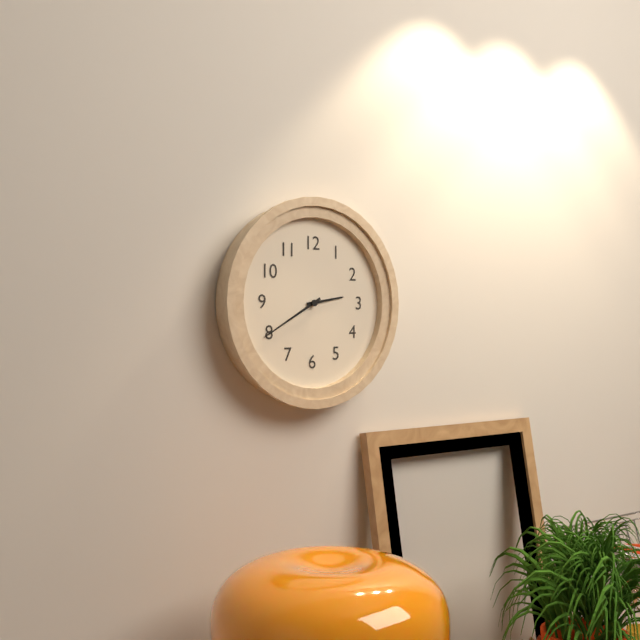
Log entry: h=2 m=40
